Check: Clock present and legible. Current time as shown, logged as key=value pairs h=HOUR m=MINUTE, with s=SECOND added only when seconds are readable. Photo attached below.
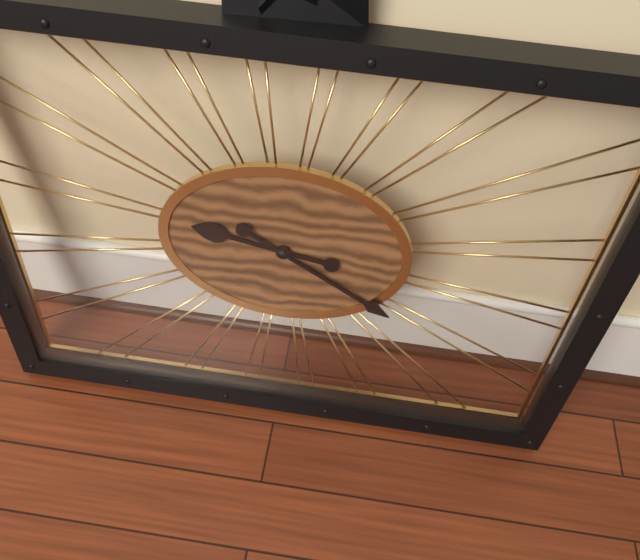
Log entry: h=9 m=20
